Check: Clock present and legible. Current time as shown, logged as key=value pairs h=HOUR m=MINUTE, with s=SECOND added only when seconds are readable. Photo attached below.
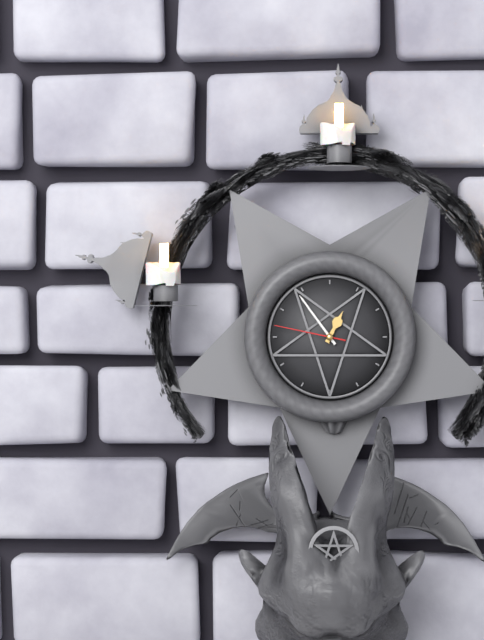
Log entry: h=12 m=54 s=47
